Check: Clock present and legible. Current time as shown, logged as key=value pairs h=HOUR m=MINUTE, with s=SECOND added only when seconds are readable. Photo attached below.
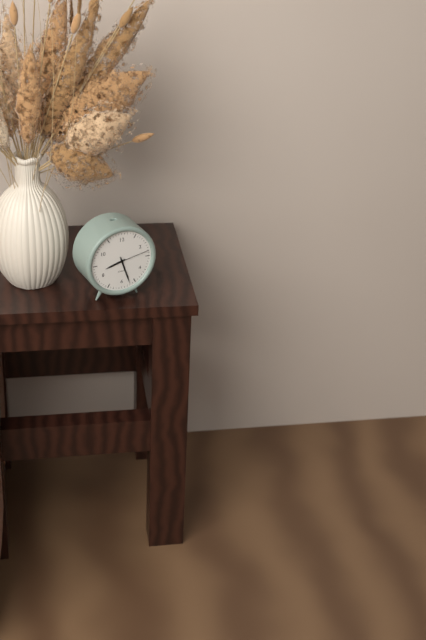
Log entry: h=8 m=27
